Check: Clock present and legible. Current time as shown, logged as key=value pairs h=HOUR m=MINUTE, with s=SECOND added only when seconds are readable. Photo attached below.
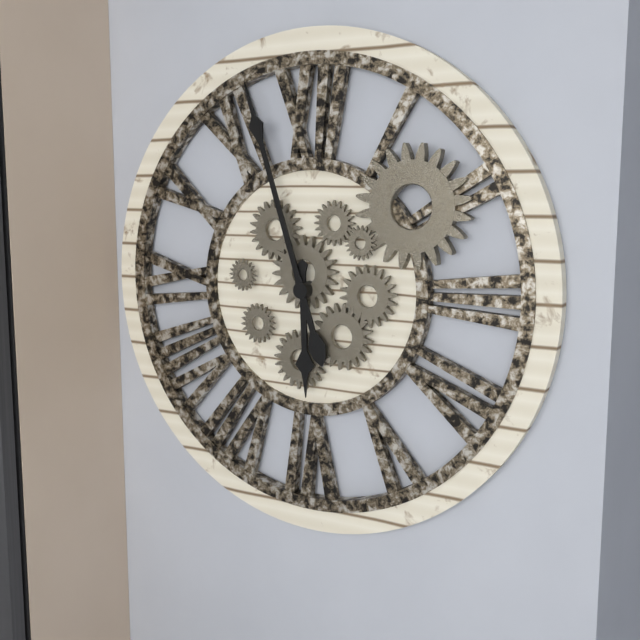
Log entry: h=5 m=57
